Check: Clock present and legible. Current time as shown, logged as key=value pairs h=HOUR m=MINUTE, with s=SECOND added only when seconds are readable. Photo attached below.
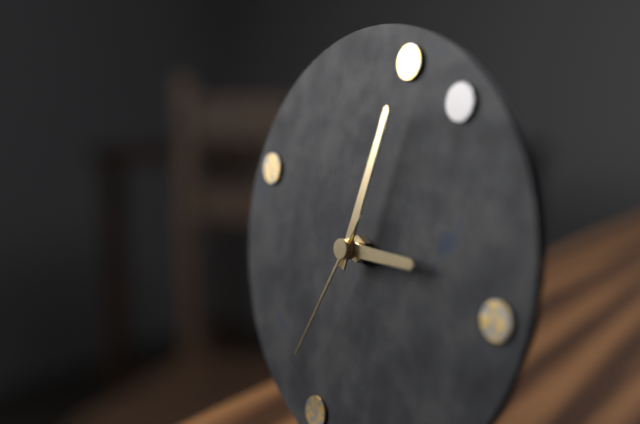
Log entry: h=3 m=3 s=35
